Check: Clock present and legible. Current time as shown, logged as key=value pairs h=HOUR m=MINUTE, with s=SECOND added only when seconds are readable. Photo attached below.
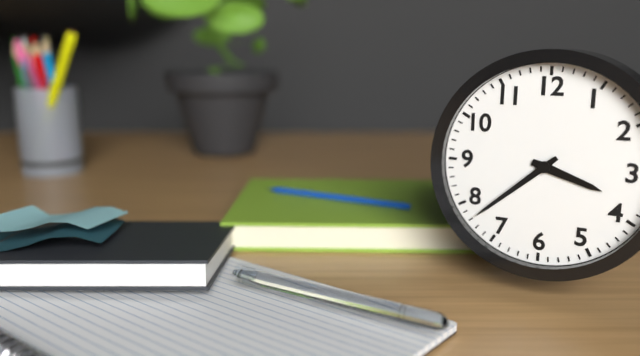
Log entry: h=3 m=38
